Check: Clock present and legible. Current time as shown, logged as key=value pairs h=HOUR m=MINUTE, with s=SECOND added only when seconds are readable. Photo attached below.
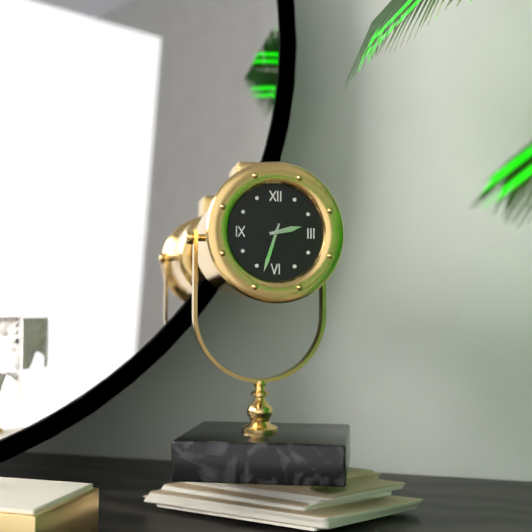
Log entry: h=2 m=33
